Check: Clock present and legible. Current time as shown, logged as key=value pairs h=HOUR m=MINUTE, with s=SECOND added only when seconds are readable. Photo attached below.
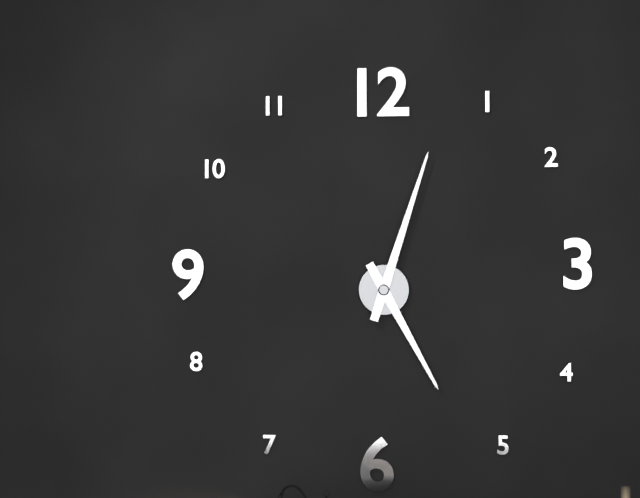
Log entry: h=5 m=3
